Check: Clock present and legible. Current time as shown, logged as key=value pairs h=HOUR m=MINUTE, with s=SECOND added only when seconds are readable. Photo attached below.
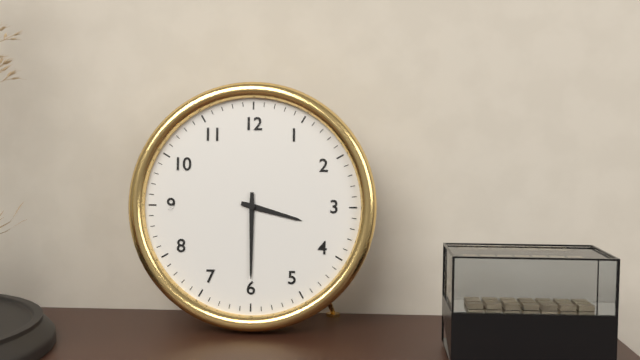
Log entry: h=3 m=30
